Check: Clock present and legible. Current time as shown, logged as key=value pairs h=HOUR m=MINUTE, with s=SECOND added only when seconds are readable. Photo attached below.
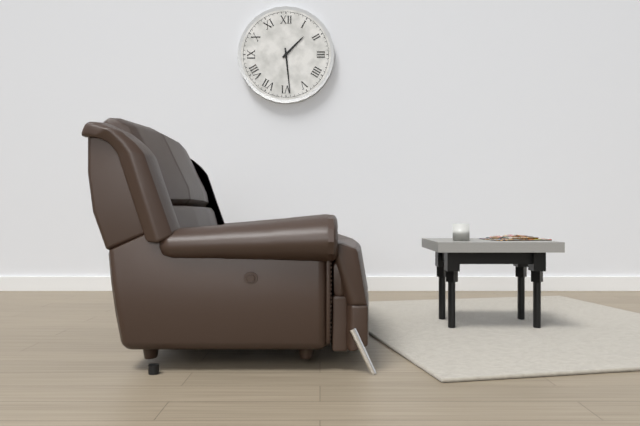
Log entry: h=1 m=29
